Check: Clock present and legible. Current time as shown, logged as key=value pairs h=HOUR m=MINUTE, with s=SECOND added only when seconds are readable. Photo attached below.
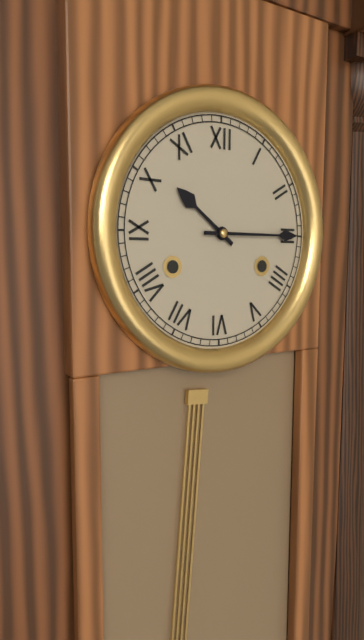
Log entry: h=10 m=15
